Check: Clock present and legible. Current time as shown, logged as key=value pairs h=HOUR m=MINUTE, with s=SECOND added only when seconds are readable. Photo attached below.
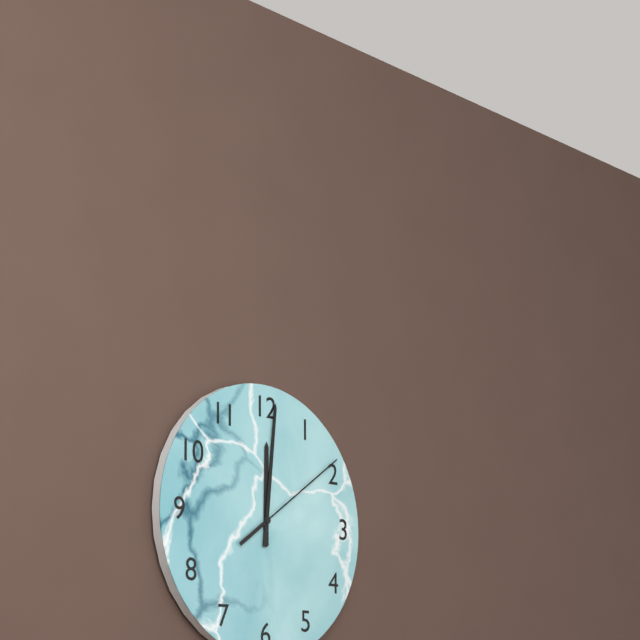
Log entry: h=12 m=1 s=9
